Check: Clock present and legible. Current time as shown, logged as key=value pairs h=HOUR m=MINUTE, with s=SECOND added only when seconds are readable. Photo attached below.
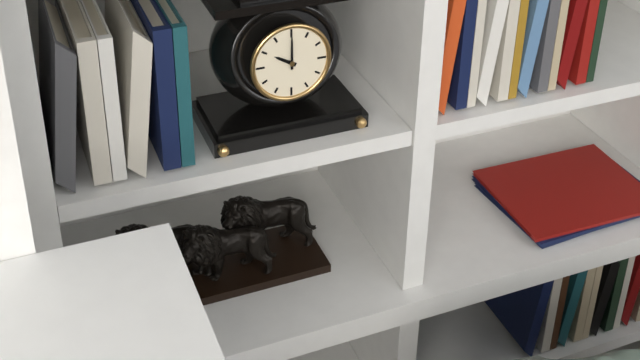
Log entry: h=10 m=0
